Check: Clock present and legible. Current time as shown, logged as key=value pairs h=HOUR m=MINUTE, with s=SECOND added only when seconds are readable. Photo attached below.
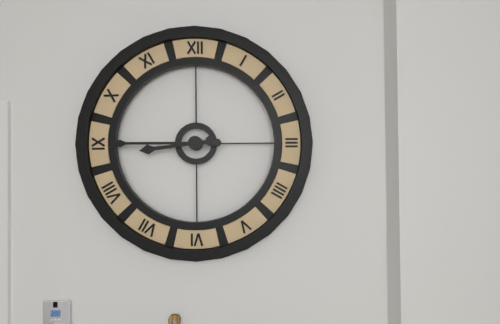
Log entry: h=8 m=45
